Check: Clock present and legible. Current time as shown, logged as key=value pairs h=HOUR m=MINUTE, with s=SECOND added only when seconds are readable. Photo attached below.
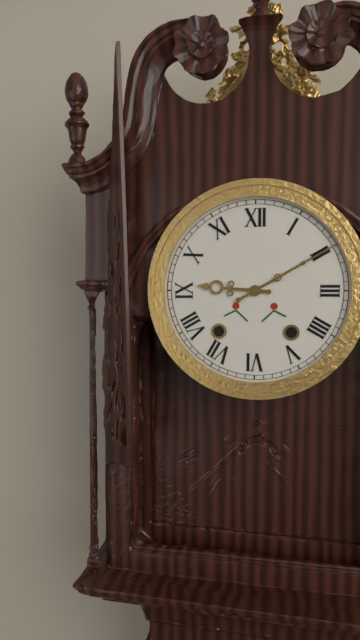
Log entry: h=9 m=10
